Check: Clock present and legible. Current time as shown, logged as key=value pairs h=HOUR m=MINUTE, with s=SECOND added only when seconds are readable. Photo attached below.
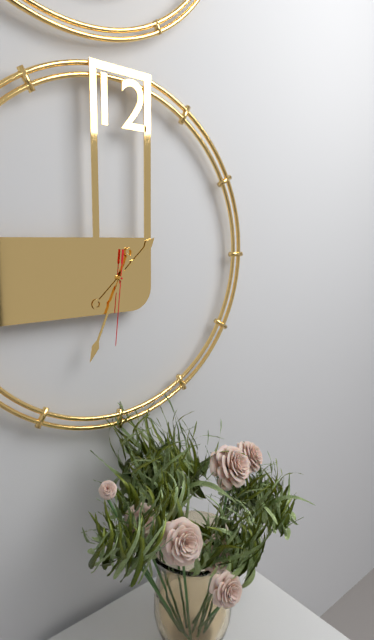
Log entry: h=1 m=34 s=31
